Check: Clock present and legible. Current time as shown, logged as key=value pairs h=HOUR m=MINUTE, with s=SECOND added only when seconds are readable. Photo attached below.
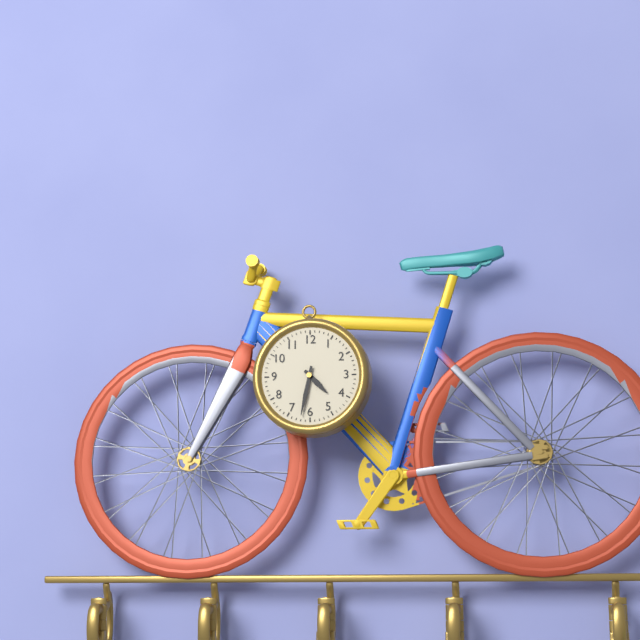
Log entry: h=4 m=32
